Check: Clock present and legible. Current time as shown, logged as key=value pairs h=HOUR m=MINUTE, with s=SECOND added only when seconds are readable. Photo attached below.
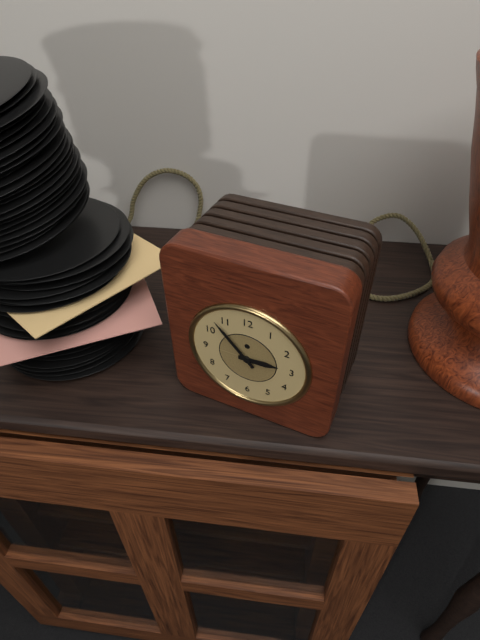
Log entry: h=2 m=53
